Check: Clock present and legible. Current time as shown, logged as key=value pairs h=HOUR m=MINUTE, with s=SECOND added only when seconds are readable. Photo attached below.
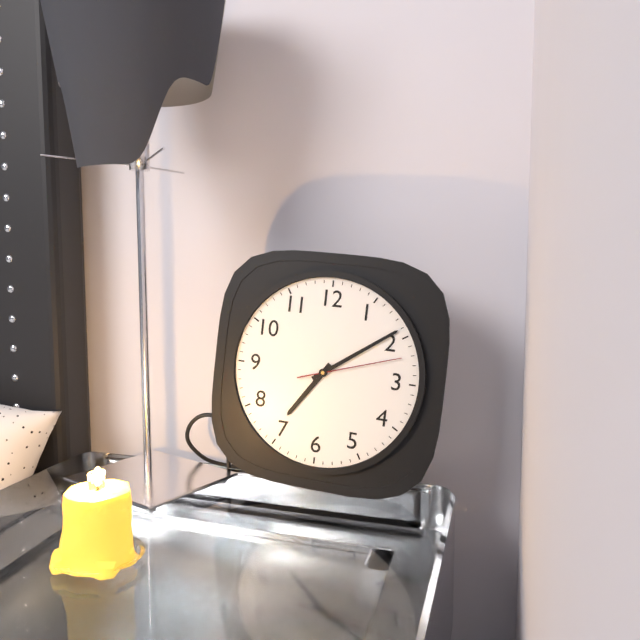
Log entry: h=7 m=9 s=12
